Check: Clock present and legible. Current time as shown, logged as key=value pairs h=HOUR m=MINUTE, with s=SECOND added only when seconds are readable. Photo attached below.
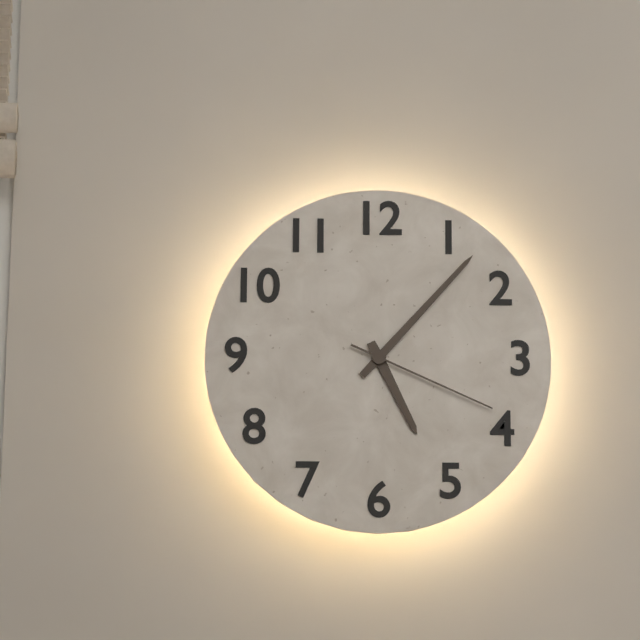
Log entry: h=5 m=7 s=19
